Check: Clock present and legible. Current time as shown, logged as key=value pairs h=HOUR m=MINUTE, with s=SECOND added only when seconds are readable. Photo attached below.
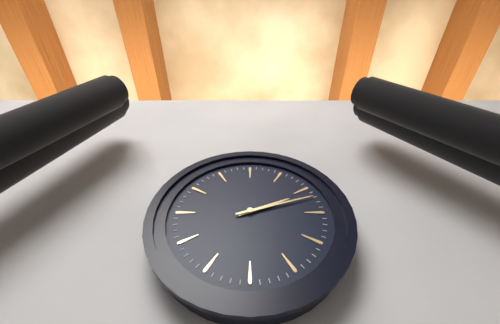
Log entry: h=2 m=12
